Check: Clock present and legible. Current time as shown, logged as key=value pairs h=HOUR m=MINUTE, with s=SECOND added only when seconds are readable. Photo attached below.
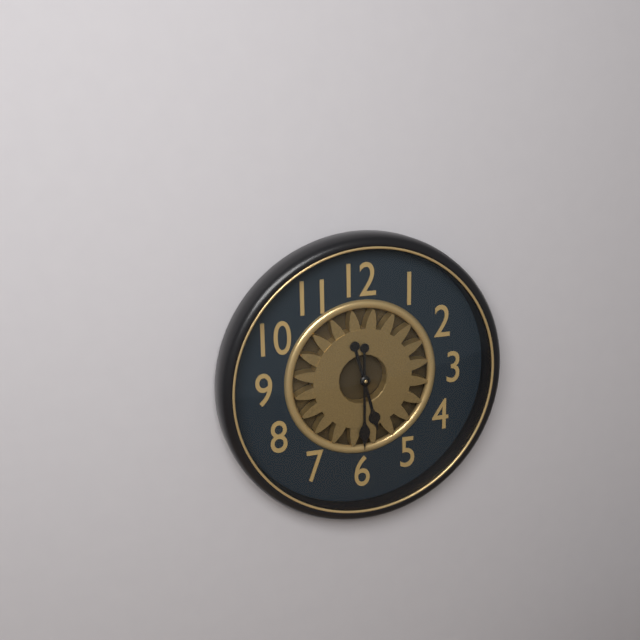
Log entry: h=5 m=30
